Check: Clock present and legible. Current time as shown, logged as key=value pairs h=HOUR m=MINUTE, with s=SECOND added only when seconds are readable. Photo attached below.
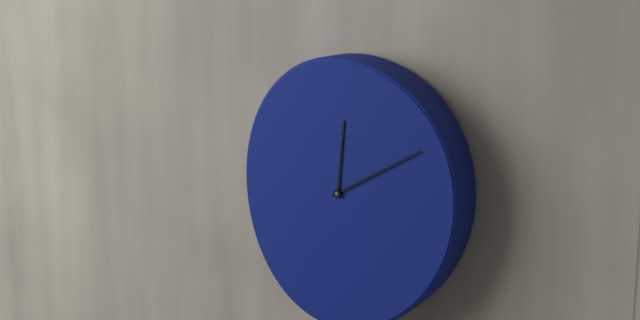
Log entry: h=12 m=10
